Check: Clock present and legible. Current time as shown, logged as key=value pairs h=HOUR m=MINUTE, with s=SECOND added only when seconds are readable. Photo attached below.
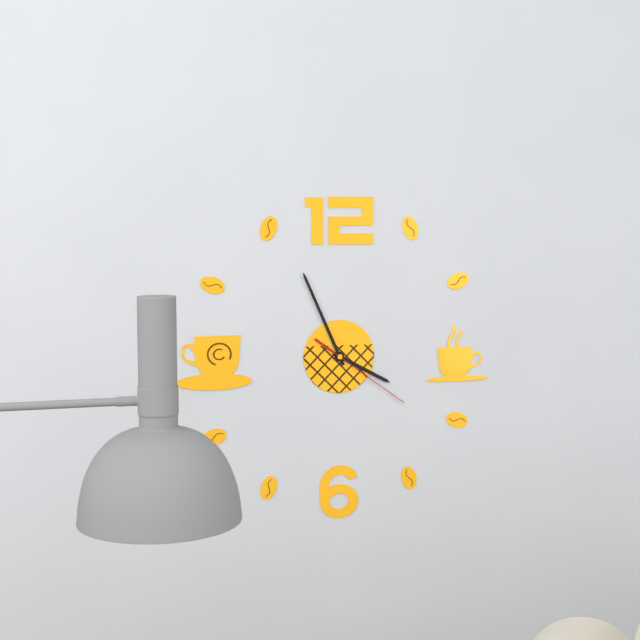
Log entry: h=3 m=56 s=21
